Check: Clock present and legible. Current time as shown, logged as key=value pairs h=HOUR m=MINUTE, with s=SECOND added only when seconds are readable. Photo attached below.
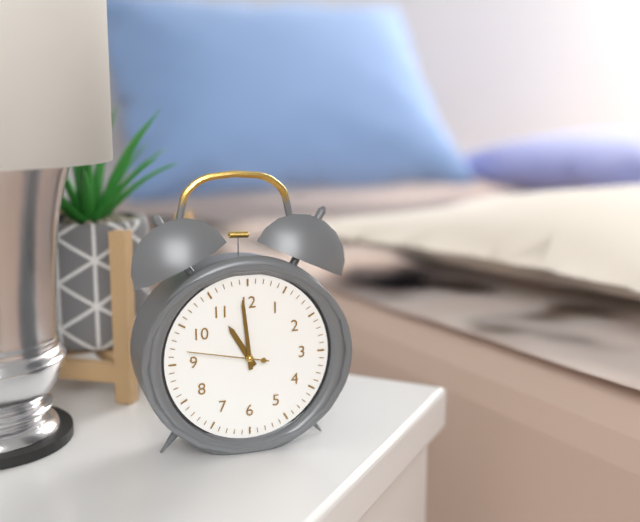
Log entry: h=10 m=59 s=47
